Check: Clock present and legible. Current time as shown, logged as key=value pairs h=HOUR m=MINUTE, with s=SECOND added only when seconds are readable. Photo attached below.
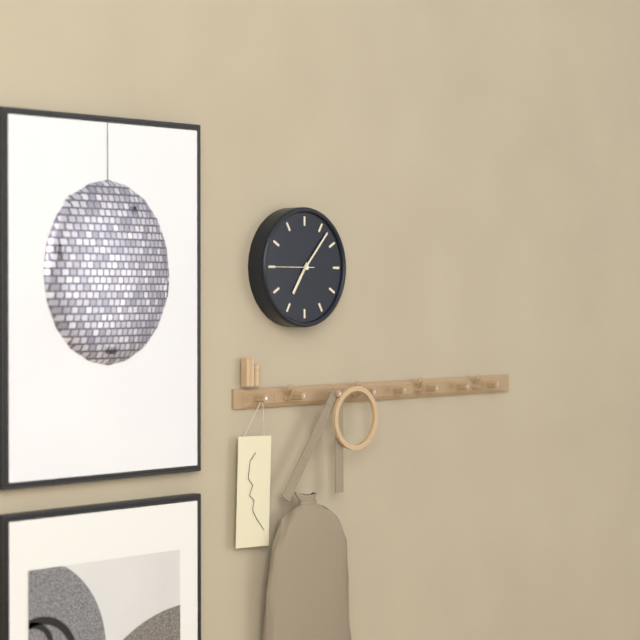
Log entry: h=7 m=7
